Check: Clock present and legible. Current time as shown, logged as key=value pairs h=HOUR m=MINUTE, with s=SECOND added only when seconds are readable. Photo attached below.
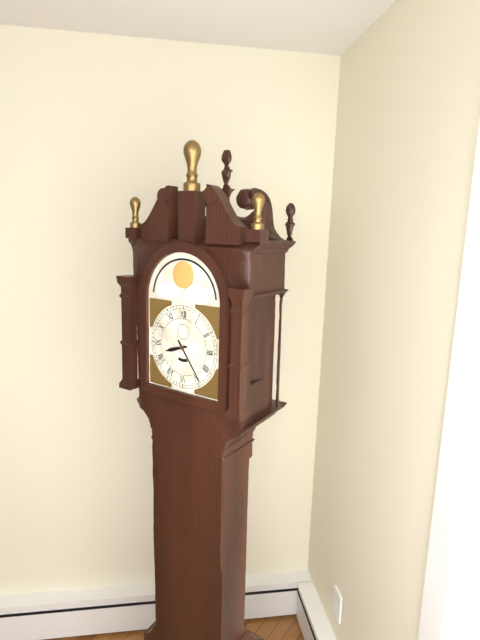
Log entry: h=8 m=24
